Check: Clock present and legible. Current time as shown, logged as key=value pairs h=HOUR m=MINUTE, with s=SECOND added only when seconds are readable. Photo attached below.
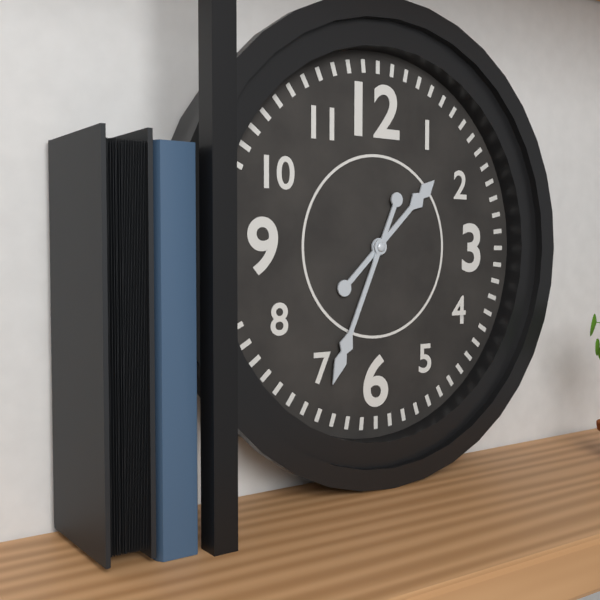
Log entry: h=1 m=34
